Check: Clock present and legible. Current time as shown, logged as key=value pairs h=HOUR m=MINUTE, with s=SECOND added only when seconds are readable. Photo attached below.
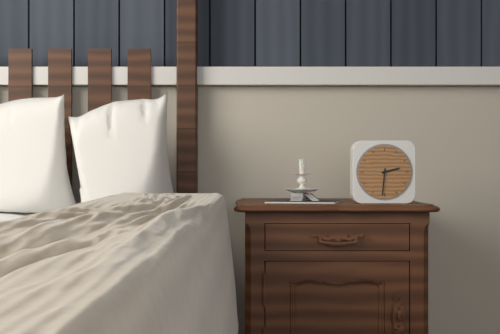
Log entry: h=2 m=31
